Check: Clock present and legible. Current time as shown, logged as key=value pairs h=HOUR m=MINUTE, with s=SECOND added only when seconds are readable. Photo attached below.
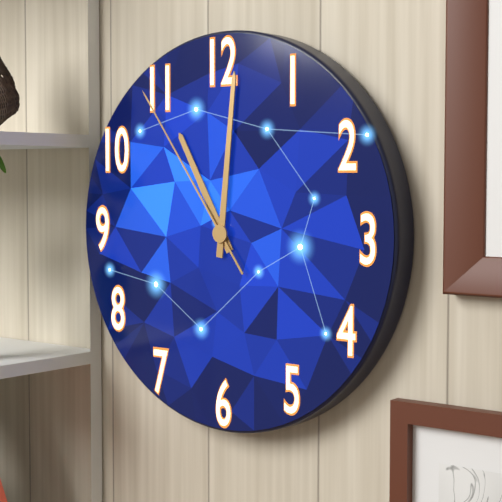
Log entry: h=11 m=1 s=54
